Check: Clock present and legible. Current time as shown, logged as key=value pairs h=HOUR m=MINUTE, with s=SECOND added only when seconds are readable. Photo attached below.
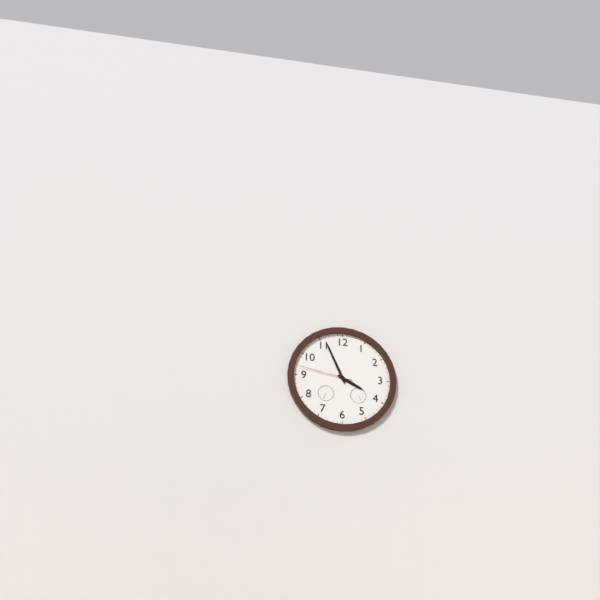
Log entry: h=3 m=56 s=47
